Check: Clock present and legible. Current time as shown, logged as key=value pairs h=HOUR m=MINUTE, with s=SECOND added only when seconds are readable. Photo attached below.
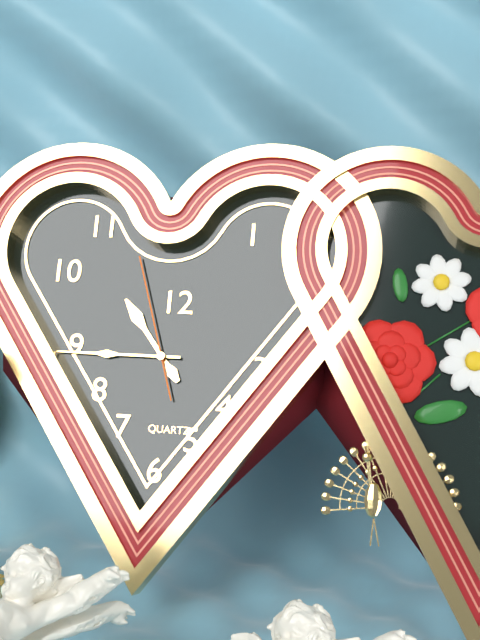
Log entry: h=10 m=45 s=57
